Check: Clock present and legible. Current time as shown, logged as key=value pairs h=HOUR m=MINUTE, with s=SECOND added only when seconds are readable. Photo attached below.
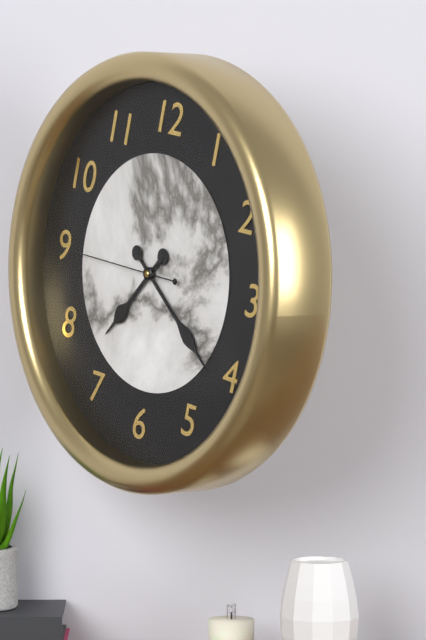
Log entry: h=7 m=21 s=45
